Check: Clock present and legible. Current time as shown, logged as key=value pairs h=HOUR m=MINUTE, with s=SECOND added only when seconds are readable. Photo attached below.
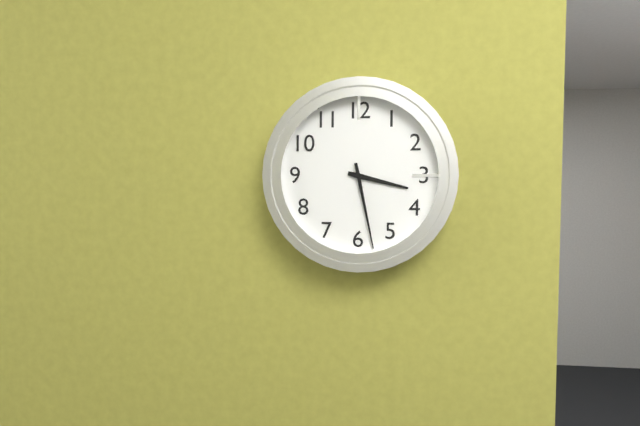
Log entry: h=3 m=28
